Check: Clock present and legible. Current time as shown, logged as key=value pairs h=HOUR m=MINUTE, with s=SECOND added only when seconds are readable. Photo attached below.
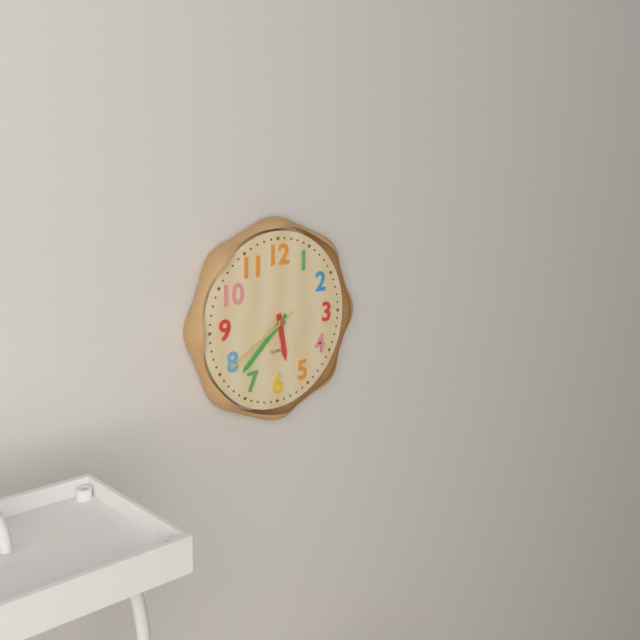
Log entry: h=5 m=38 s=40
